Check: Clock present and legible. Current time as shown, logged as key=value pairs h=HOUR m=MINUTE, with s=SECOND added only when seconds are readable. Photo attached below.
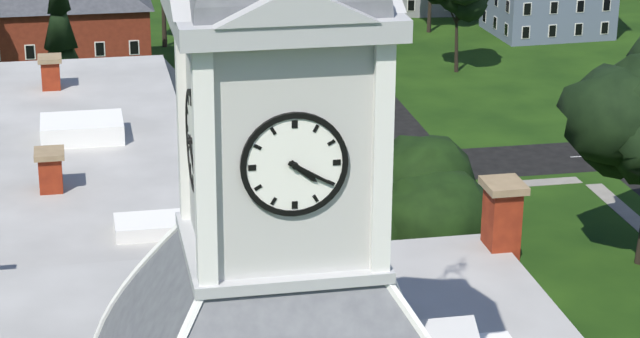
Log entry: h=4 m=20
